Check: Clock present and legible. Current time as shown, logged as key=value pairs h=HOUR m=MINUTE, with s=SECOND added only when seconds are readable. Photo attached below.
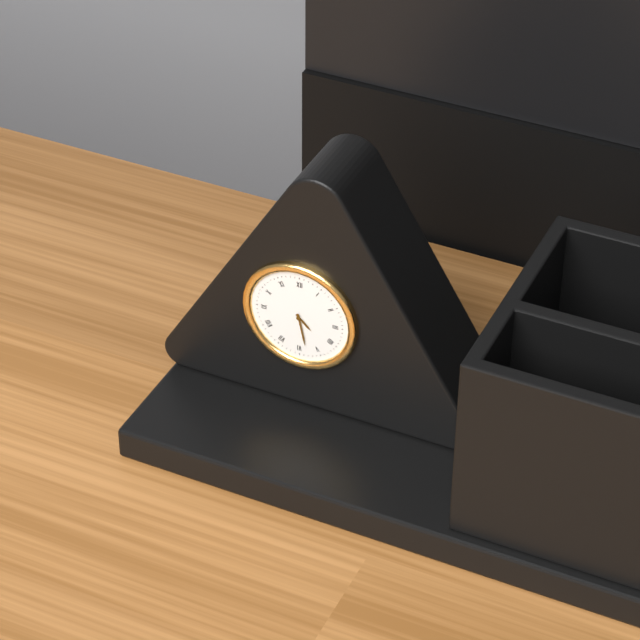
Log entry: h=4 m=28
